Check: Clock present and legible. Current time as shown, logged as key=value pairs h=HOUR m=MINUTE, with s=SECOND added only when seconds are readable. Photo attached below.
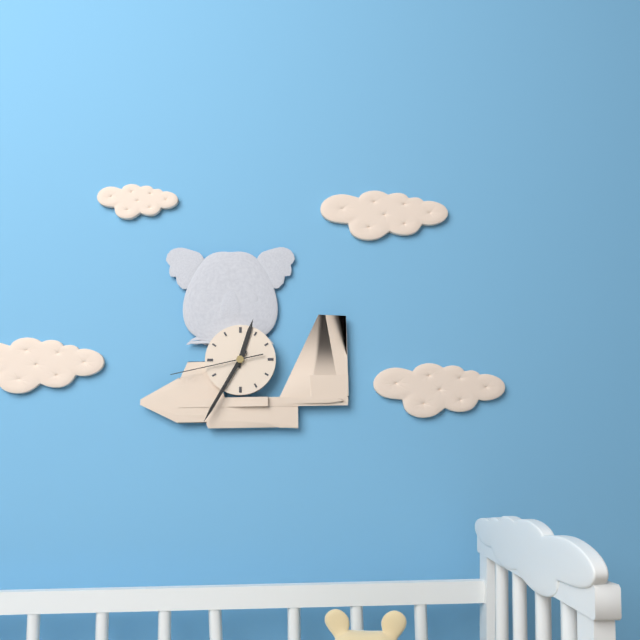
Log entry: h=12 m=35 s=43
